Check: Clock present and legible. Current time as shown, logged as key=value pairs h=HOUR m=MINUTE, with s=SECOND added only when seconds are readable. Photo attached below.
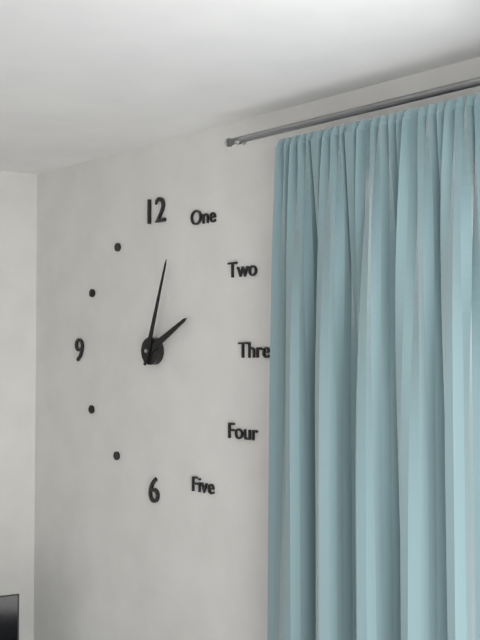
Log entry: h=2 m=3
